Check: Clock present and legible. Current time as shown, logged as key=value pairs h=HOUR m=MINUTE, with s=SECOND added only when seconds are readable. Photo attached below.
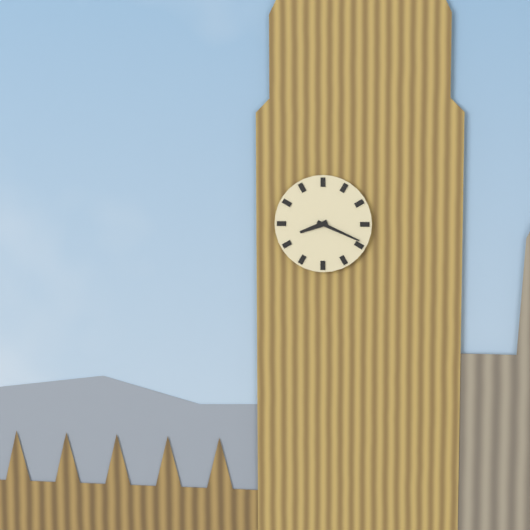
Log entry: h=8 m=19
